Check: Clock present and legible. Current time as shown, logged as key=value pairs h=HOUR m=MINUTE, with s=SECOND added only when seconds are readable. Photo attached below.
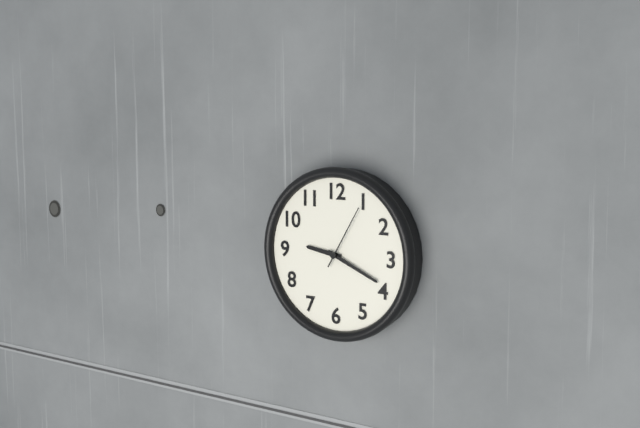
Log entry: h=9 m=19 s=5
